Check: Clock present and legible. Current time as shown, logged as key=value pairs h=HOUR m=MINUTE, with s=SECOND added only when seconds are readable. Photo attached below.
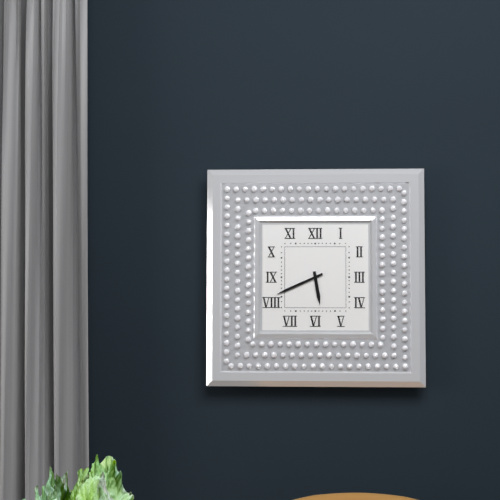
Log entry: h=5 m=41
